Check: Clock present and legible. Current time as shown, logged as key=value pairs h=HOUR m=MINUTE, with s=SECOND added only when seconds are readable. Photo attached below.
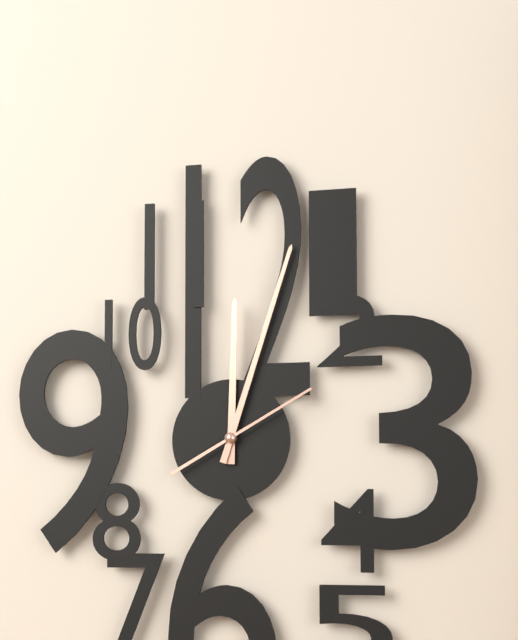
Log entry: h=12 m=3 s=10
